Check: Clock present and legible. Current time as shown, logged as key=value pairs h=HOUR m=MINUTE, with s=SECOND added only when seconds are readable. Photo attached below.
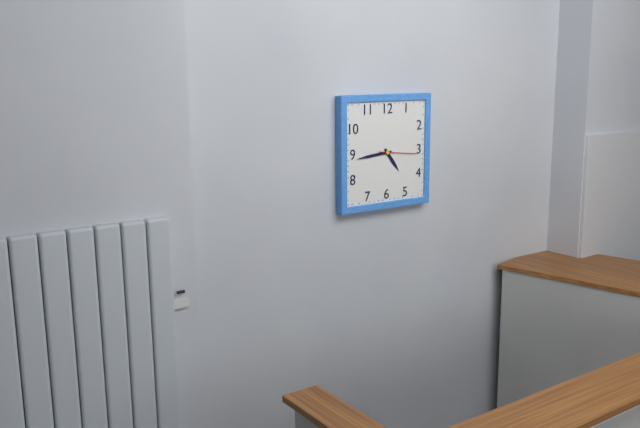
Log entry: h=4 m=44
